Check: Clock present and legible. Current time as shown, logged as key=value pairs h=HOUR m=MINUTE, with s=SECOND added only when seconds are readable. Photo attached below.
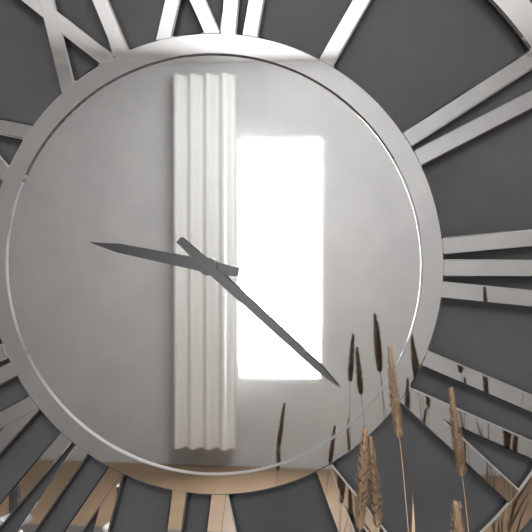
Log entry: h=9 m=22
